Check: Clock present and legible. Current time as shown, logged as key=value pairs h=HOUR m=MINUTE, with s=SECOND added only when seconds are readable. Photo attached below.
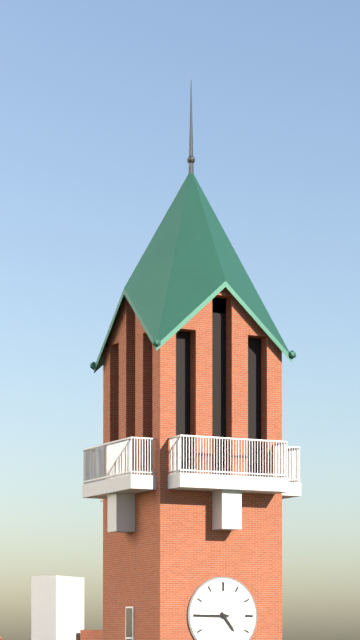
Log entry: h=4 m=45
